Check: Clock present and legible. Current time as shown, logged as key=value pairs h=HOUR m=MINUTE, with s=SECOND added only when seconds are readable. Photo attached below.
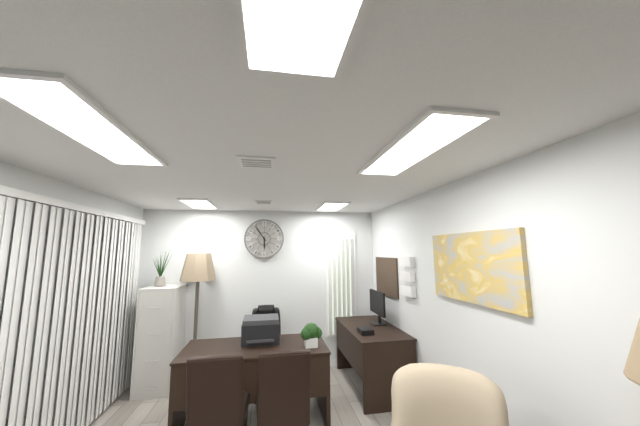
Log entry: h=5 m=54
